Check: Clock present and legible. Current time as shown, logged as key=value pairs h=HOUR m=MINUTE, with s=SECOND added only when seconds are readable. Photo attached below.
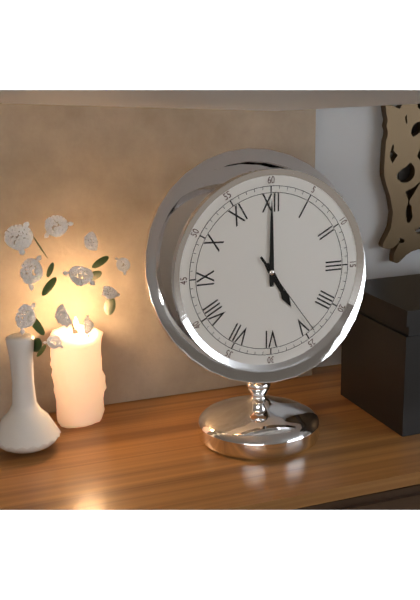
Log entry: h=5 m=0 s=24
